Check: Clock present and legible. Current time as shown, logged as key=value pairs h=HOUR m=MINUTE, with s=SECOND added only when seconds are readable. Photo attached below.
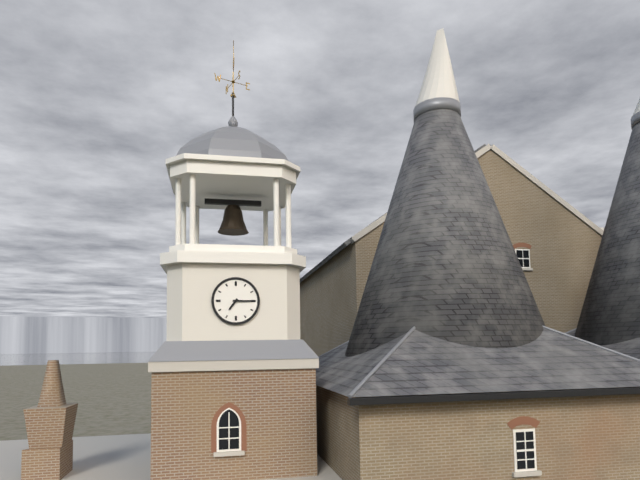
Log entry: h=7 m=15
